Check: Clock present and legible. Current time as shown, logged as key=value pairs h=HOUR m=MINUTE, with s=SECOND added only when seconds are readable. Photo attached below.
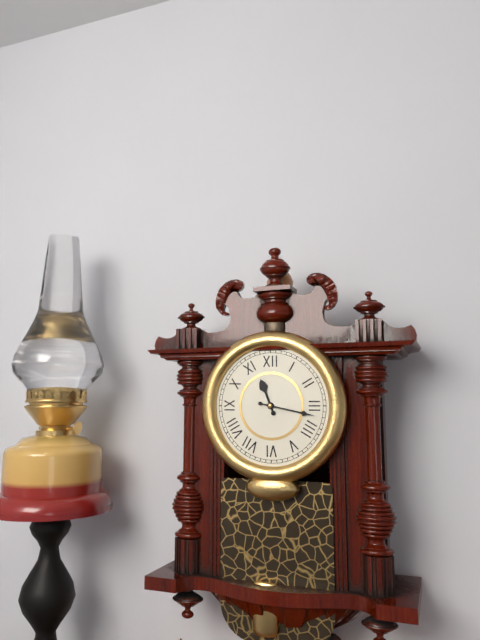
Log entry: h=11 m=17
